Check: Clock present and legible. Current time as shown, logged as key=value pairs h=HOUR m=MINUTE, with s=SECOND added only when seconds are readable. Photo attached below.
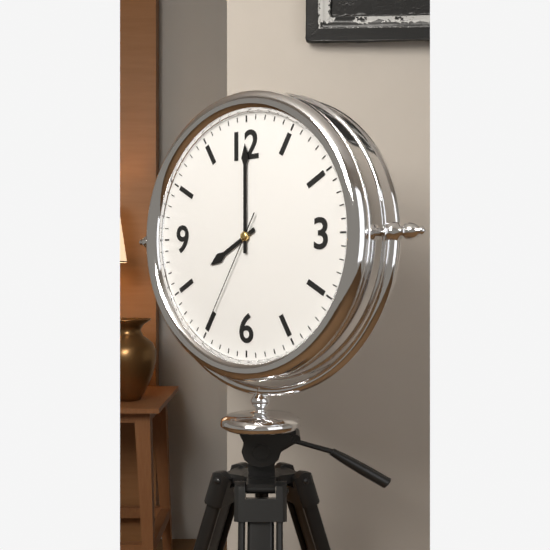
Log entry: h=8 m=0 s=35
